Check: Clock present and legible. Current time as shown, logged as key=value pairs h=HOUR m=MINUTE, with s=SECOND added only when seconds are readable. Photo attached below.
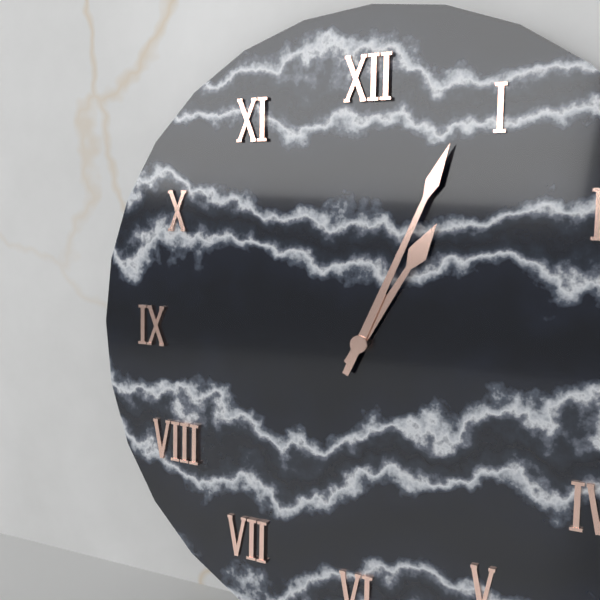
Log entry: h=1 m=4
